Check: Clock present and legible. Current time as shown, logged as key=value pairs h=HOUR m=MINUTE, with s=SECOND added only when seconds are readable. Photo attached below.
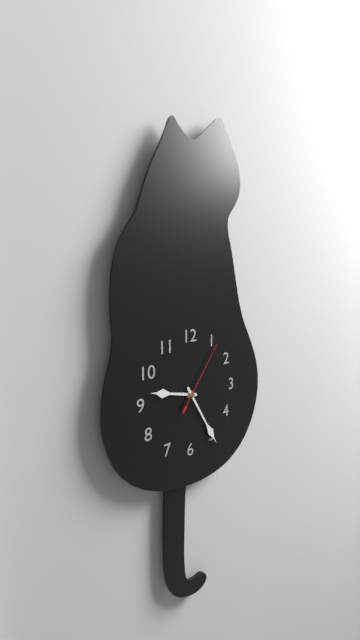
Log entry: h=9 m=25 s=6
